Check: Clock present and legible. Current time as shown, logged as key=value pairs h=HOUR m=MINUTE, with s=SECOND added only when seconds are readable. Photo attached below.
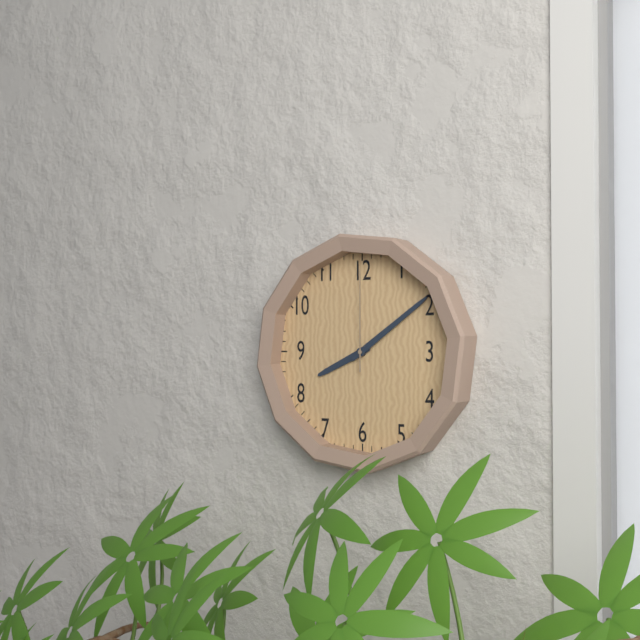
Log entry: h=8 m=9 s=0
